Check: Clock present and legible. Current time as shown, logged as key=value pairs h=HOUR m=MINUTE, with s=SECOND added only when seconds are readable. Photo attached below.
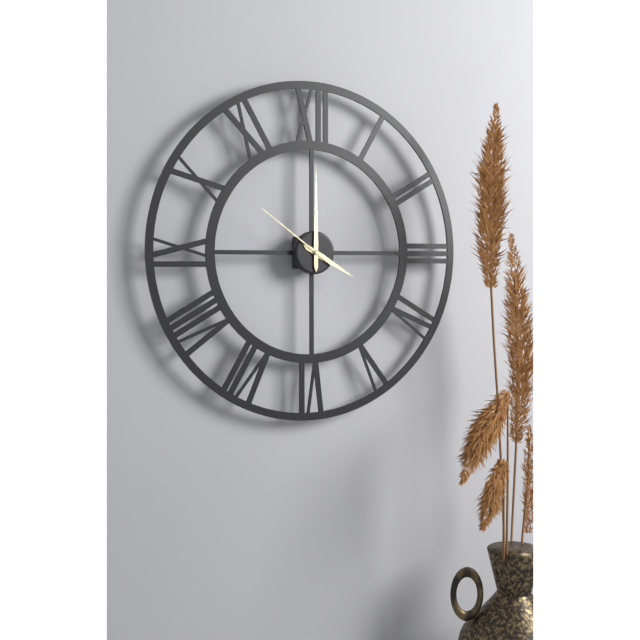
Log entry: h=4 m=0 s=51
